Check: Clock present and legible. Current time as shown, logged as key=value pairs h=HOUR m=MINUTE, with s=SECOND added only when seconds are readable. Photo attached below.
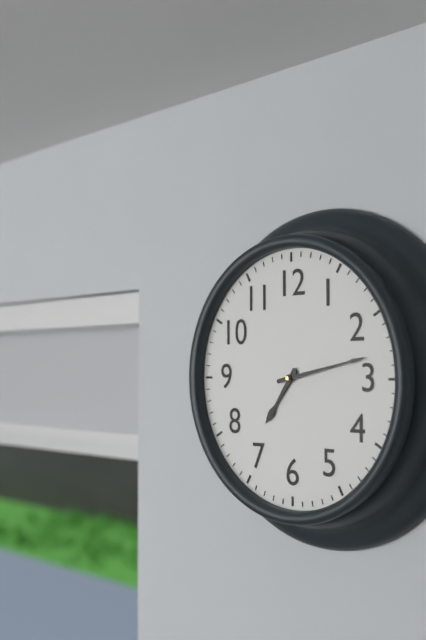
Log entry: h=7 m=13
